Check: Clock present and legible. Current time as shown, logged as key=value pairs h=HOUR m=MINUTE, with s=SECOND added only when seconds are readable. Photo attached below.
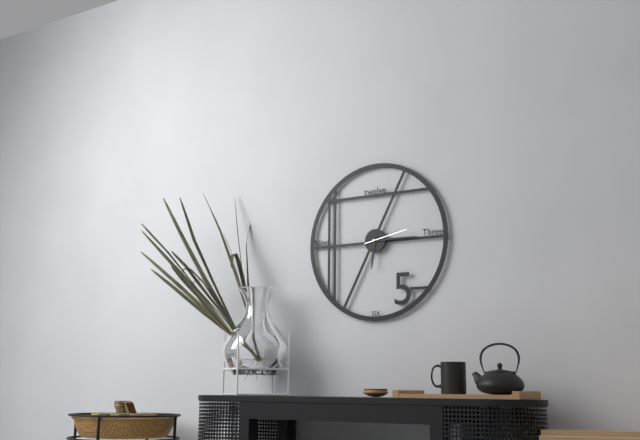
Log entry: h=6 m=15
